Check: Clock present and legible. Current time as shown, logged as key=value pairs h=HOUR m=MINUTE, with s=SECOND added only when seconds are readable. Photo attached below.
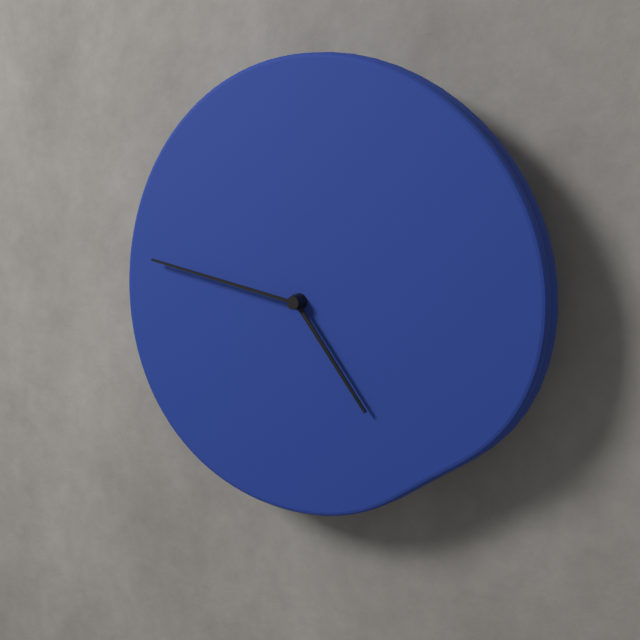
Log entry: h=4 m=47
